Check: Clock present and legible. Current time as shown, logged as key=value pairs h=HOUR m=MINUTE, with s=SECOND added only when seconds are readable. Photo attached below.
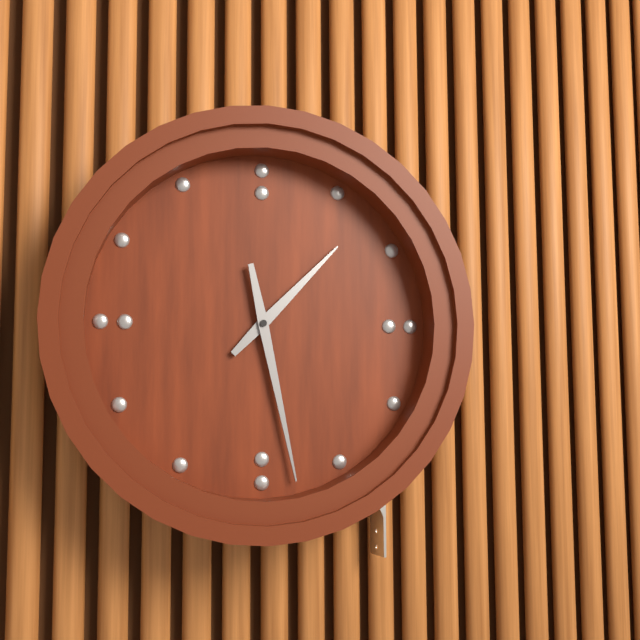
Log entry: h=1 m=28
